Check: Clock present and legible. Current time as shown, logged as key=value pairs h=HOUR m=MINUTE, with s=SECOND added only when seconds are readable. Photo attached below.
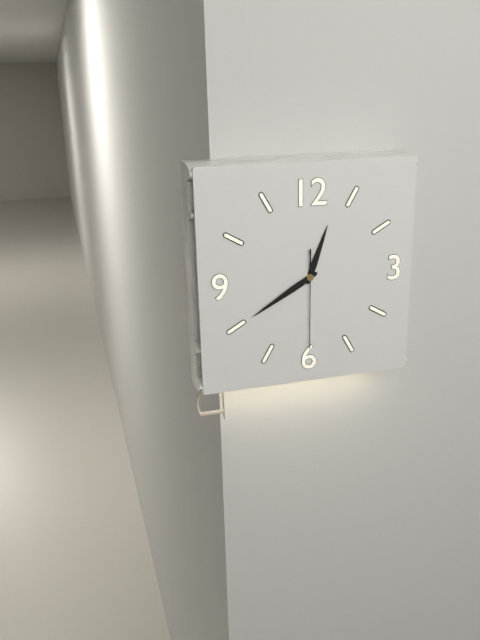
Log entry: h=12 m=40 s=30
